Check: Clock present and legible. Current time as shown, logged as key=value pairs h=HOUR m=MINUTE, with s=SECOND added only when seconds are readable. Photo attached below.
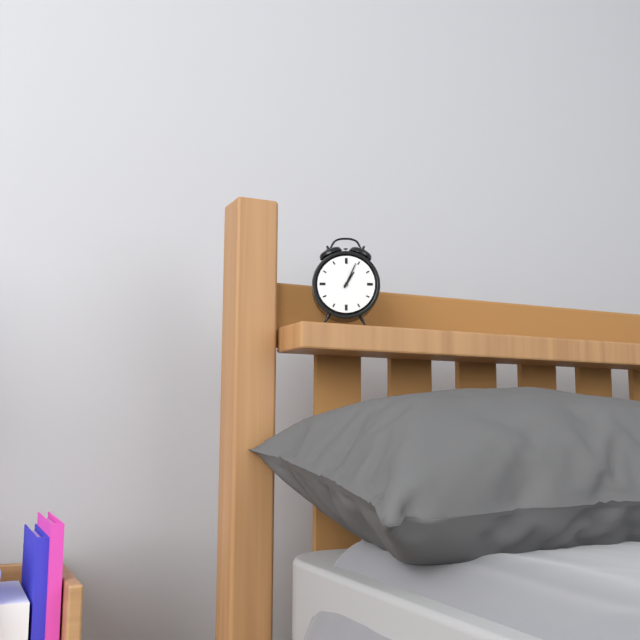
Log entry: h=1 m=4
